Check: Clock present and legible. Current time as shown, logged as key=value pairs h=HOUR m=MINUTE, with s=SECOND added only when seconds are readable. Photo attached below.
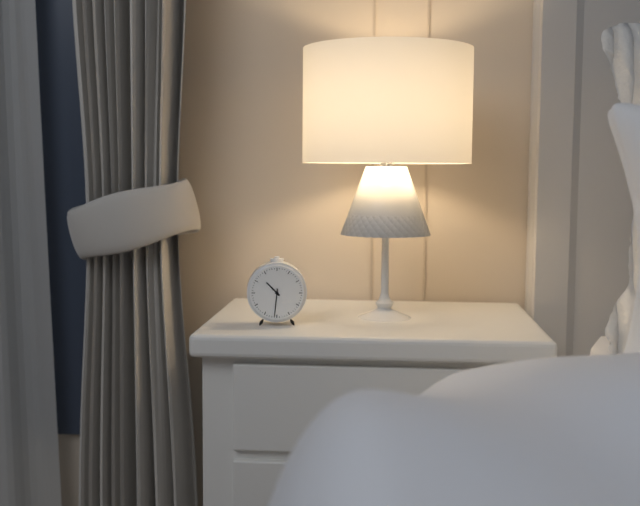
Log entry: h=10 m=31
